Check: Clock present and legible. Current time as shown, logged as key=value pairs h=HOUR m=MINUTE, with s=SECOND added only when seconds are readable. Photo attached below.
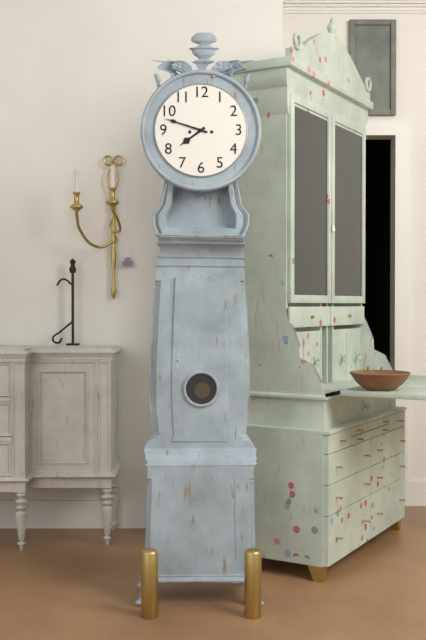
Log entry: h=7 m=48
